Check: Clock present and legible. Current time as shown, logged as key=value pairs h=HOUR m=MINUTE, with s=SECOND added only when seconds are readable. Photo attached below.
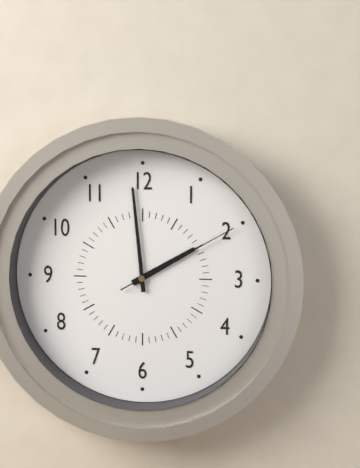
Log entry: h=1 m=59 s=10
